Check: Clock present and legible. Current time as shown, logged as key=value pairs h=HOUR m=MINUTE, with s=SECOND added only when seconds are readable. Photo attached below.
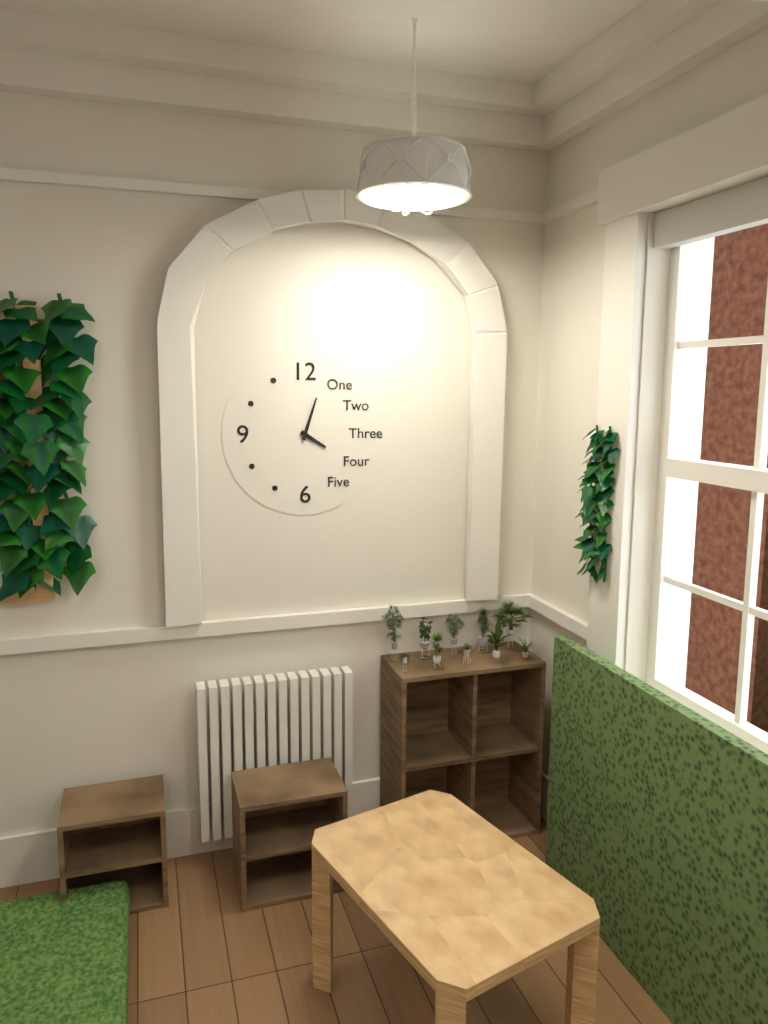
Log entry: h=4 m=3
